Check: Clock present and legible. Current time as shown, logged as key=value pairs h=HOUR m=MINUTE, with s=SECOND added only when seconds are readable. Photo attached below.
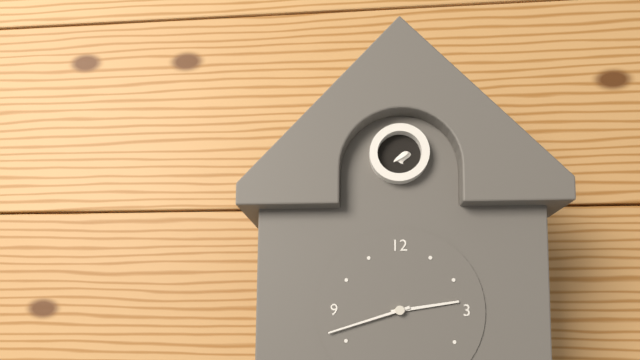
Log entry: h=2 m=42
